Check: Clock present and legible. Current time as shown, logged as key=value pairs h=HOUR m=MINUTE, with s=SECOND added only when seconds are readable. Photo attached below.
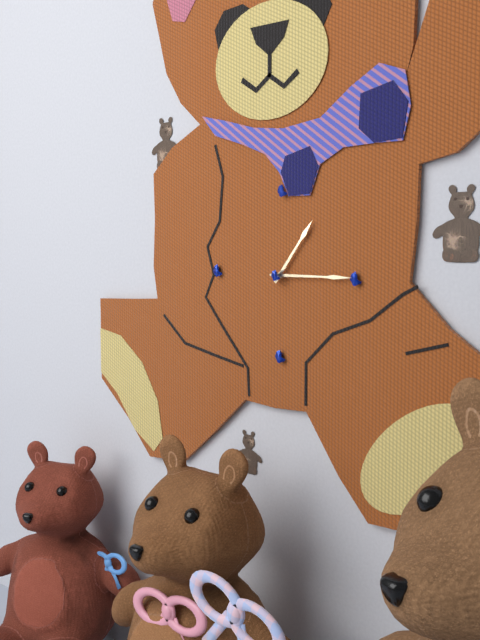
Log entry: h=1 m=15
